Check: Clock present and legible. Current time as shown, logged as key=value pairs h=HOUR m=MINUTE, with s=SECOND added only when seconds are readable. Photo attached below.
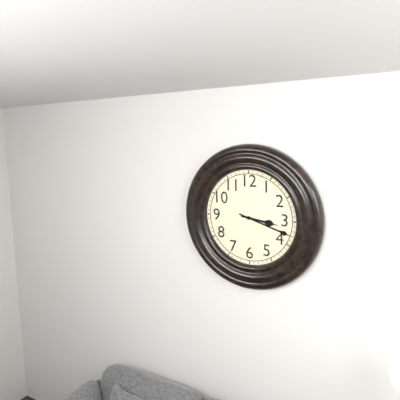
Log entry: h=3 m=18
